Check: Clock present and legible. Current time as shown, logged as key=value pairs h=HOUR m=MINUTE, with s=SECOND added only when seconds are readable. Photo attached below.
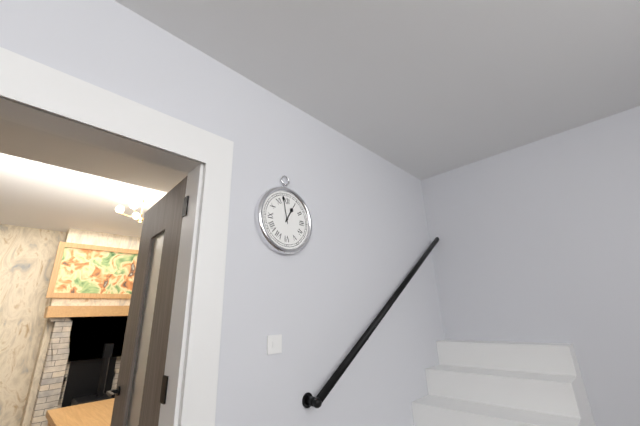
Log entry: h=12 m=58
